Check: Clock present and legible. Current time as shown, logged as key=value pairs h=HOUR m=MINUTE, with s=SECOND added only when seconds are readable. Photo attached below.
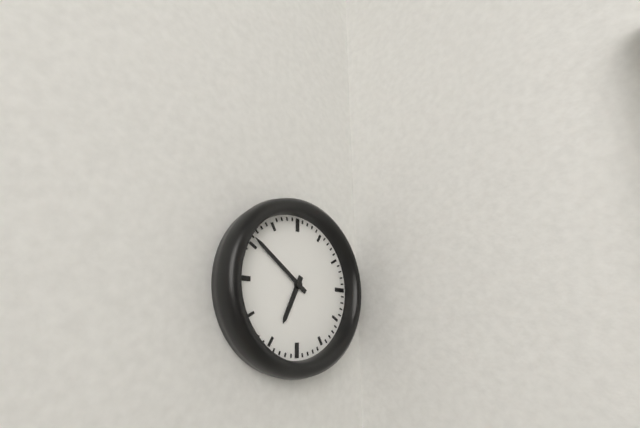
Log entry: h=6 m=51
